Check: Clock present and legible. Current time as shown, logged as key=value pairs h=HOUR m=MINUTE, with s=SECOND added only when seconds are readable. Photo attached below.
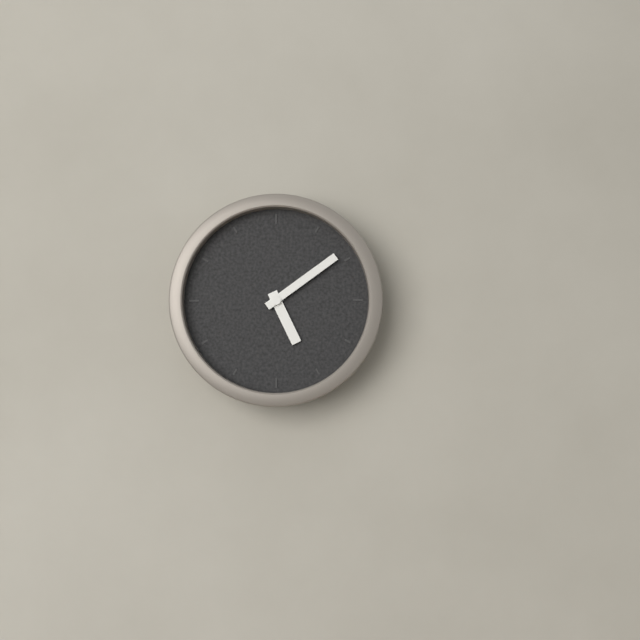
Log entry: h=5 m=9
